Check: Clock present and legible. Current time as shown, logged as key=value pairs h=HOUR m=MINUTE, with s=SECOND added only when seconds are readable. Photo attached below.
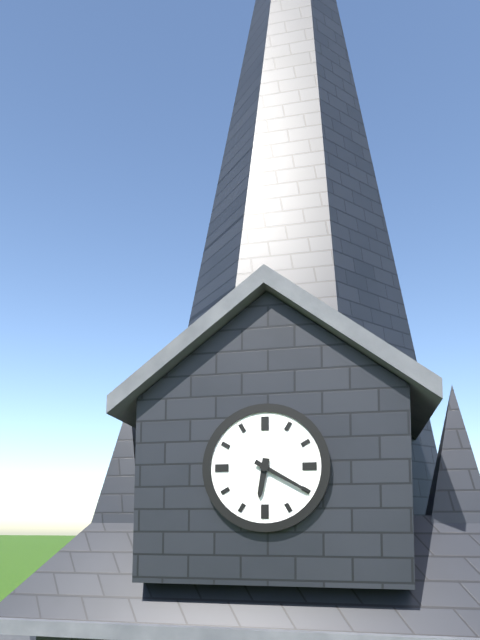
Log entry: h=6 m=20
